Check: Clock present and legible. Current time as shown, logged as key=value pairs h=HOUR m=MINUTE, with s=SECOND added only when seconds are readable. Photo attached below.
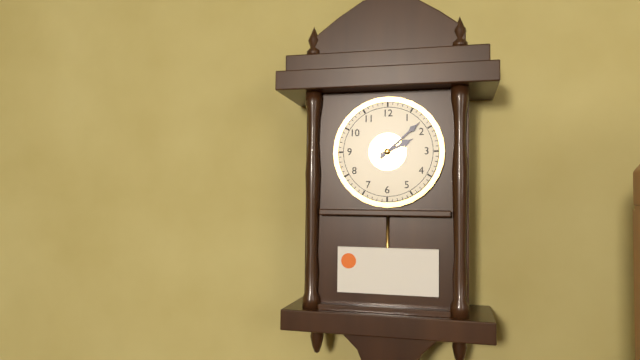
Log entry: h=2 m=8
